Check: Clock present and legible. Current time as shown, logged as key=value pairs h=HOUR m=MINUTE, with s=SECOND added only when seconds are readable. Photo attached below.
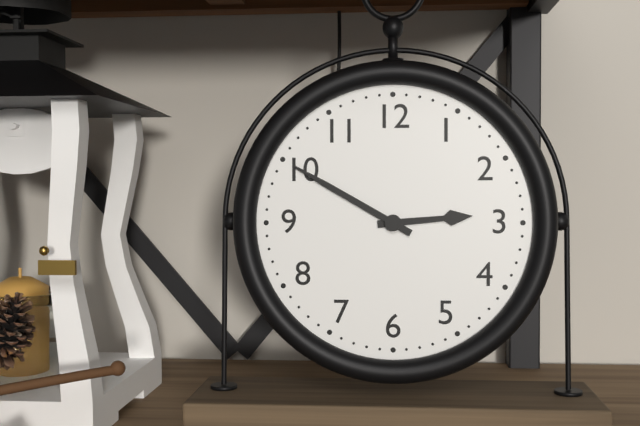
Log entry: h=2 m=50
